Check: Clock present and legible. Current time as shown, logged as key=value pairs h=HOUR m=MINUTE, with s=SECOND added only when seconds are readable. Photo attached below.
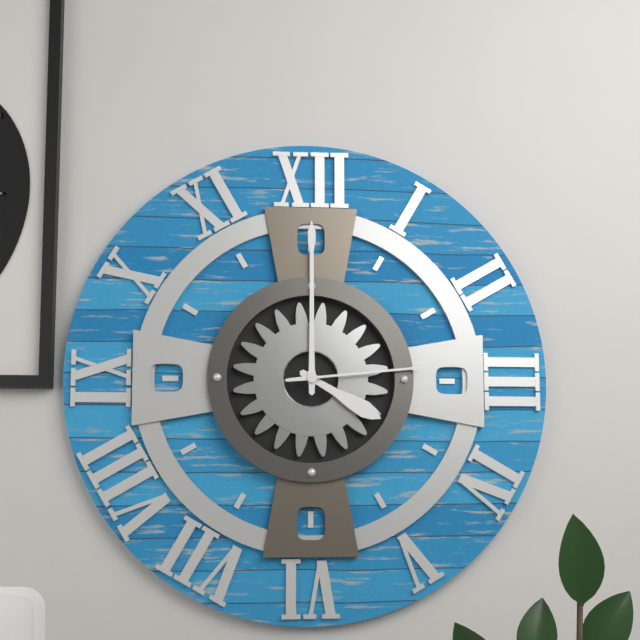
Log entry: h=4 m=0 s=14
